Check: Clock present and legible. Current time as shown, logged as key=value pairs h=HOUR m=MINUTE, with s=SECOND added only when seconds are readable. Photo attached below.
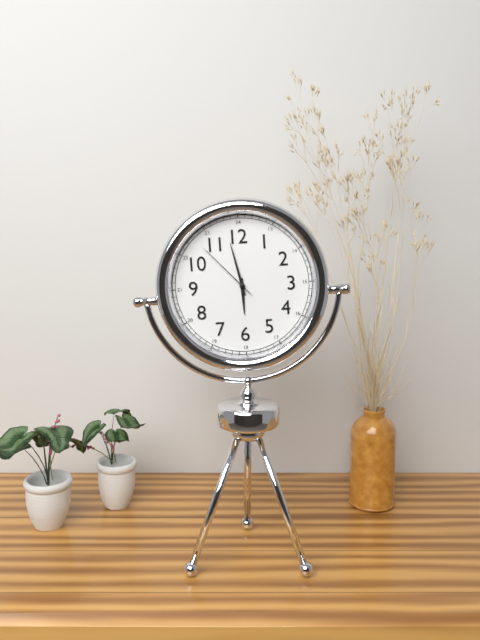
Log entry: h=5 m=58 s=53
